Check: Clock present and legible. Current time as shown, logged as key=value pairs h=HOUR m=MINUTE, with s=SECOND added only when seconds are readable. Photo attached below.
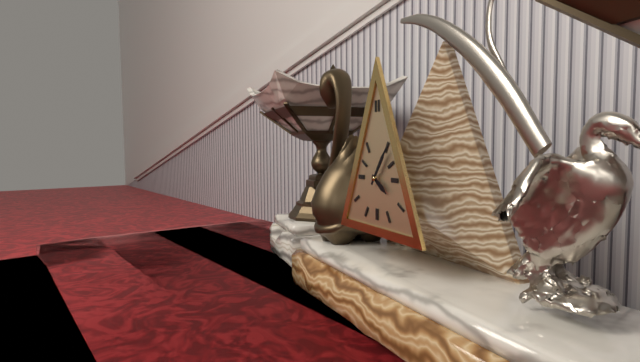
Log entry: h=4 m=6
